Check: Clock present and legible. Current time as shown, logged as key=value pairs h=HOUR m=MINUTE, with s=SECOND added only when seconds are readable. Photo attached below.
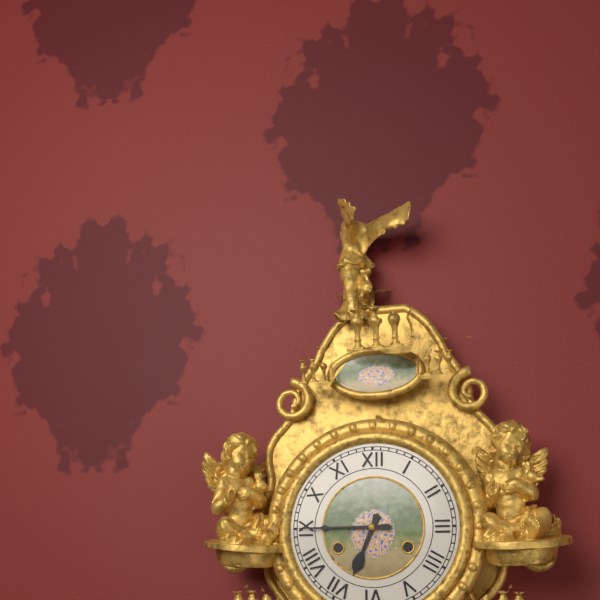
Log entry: h=6 m=45
